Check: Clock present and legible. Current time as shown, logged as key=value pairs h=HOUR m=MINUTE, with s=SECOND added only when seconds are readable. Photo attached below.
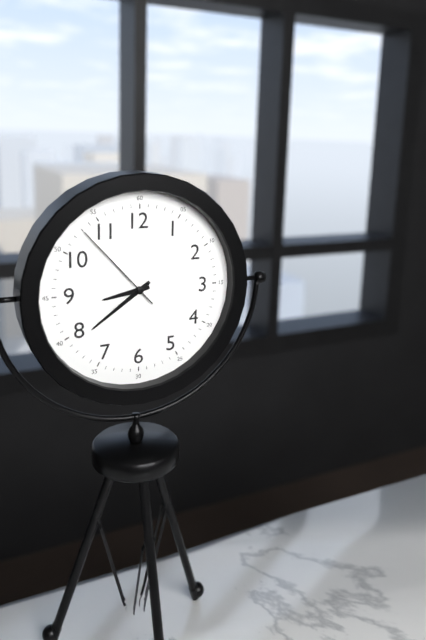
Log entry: h=8 m=39 s=53
